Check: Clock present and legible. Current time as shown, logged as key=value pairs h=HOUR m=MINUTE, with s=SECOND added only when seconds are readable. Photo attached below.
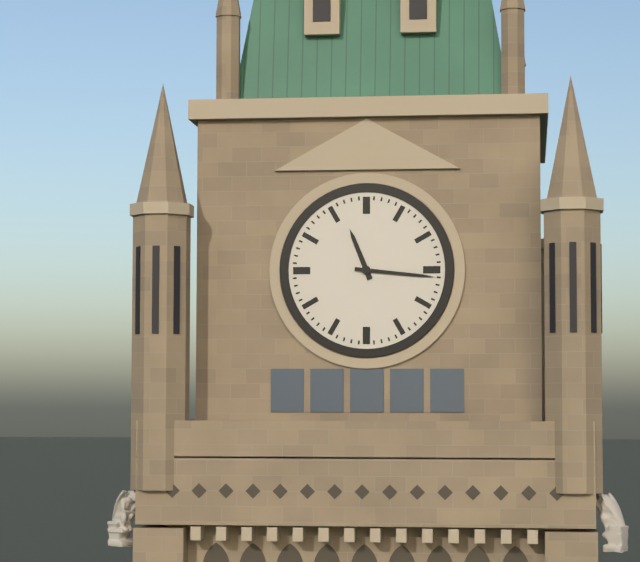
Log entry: h=11 m=16
